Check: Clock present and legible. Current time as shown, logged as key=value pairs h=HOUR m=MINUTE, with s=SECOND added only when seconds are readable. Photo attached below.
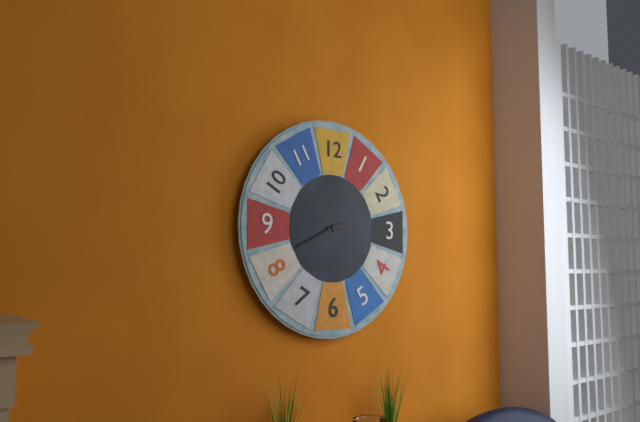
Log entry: h=2 m=41
